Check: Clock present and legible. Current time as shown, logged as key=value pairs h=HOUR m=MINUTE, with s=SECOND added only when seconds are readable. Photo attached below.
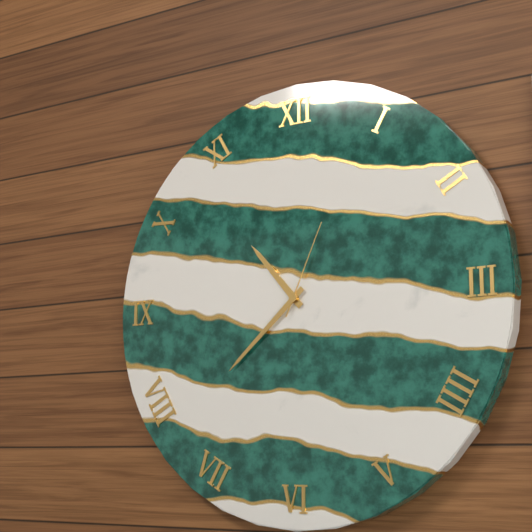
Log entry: h=10 m=38 s=4
